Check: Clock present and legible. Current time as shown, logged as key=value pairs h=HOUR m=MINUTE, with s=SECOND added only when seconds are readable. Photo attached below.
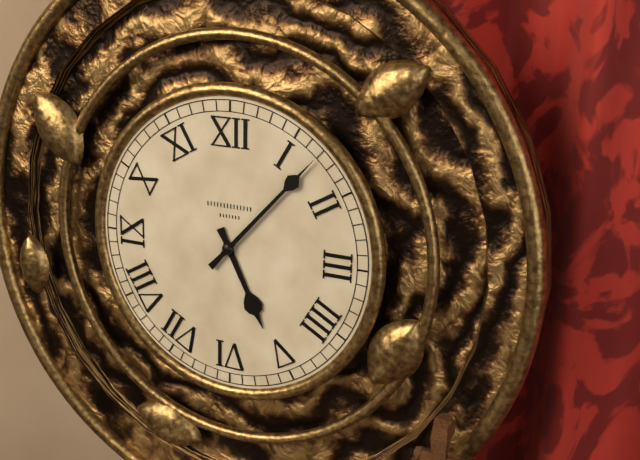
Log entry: h=5 m=7
